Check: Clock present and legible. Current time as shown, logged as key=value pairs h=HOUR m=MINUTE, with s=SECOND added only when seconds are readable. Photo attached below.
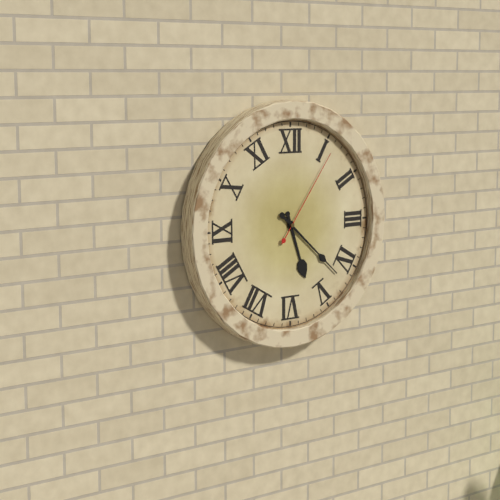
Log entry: h=5 m=22 s=6
